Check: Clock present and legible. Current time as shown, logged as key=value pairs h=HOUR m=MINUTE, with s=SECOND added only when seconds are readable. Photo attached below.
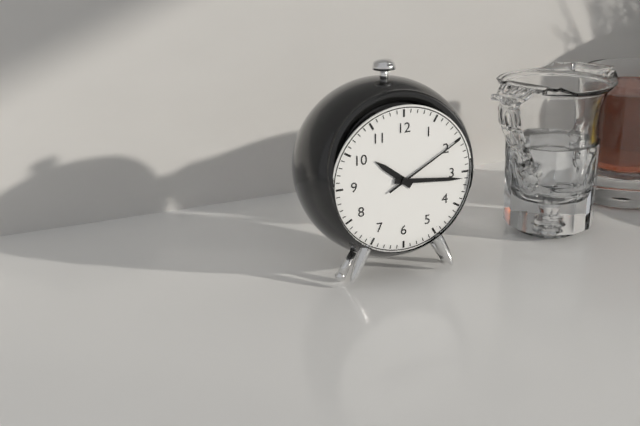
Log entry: h=10 m=16 s=10
